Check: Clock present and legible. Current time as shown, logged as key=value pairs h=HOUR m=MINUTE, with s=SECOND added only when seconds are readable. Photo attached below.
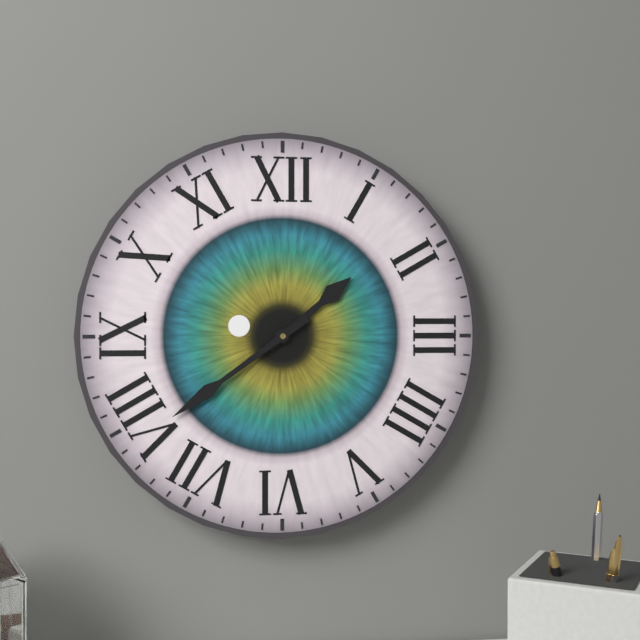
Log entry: h=1 m=39
